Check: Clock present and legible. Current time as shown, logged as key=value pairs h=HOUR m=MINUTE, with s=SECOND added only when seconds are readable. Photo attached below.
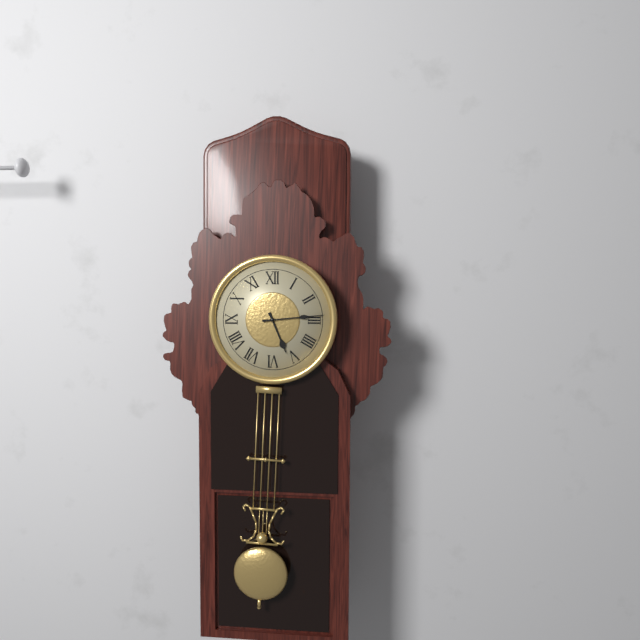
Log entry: h=5 m=14
